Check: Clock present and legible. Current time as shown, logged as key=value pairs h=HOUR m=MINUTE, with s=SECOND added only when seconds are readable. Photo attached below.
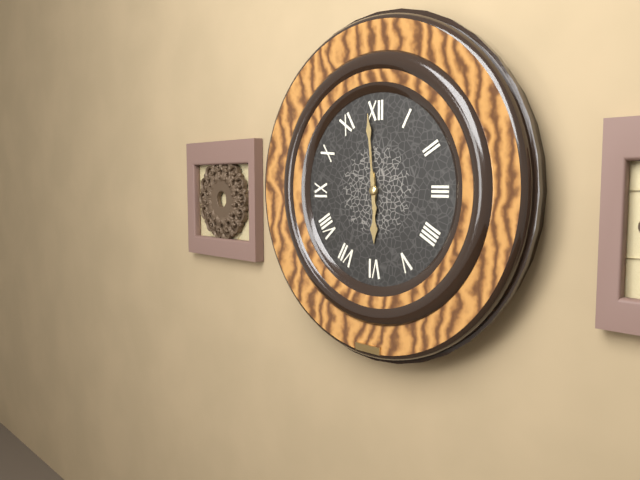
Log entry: h=5 m=59
